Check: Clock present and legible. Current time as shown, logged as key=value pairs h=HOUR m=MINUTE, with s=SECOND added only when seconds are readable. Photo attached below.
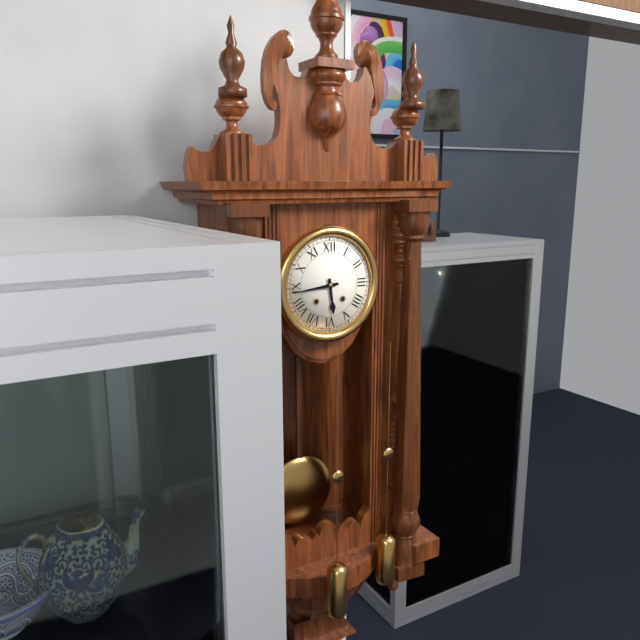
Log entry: h=5 m=44
